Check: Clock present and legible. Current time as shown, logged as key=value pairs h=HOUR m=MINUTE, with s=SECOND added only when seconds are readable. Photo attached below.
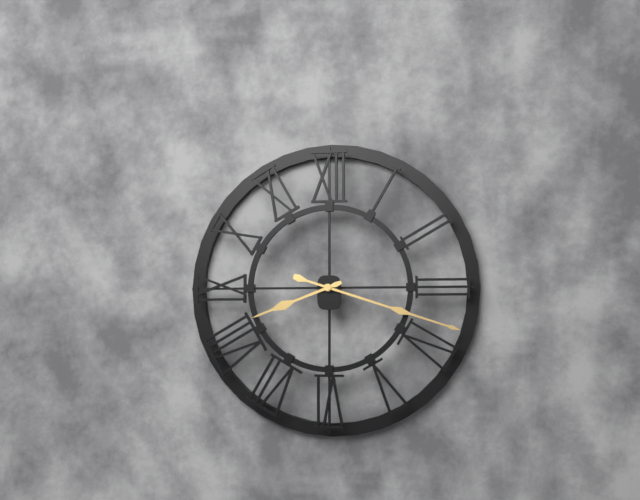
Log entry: h=8 m=18
